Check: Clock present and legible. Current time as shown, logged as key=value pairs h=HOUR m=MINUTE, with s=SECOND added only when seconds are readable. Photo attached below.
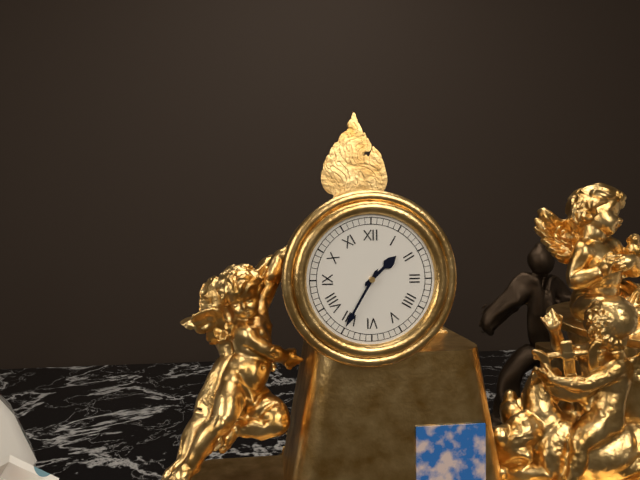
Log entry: h=1 m=35
